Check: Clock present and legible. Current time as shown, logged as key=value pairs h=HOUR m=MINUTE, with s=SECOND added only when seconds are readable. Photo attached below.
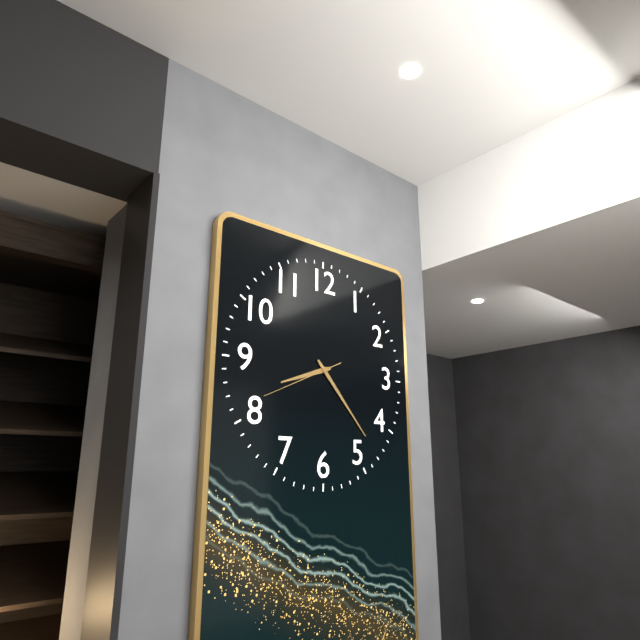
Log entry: h=8 m=23 s=41
